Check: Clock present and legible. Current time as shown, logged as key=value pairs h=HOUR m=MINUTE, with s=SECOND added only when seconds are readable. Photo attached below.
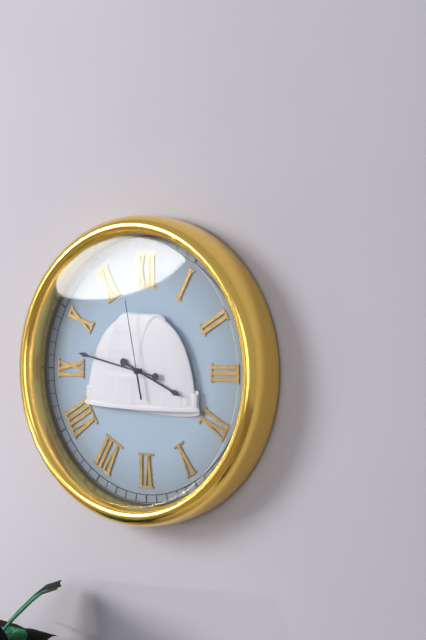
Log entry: h=3 m=47 s=58
